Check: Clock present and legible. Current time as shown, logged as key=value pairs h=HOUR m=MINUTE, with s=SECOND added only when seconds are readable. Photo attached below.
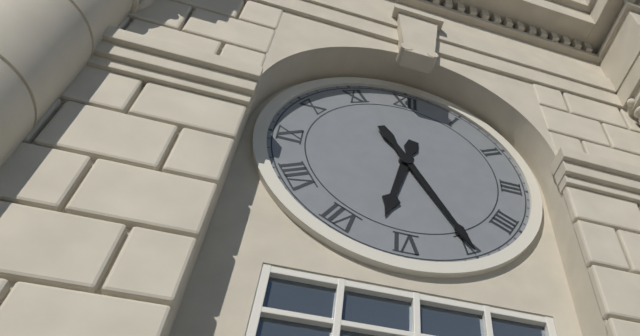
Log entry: h=6 m=25
